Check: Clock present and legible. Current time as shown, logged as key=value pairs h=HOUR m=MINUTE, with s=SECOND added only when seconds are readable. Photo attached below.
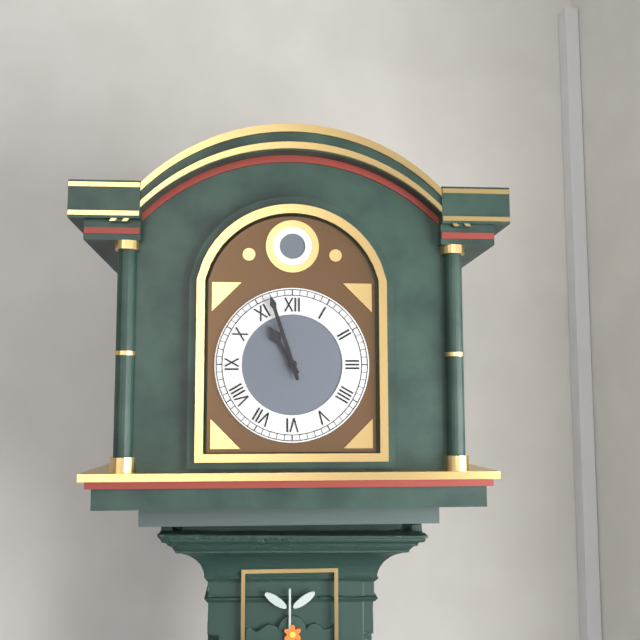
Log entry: h=10 m=57
